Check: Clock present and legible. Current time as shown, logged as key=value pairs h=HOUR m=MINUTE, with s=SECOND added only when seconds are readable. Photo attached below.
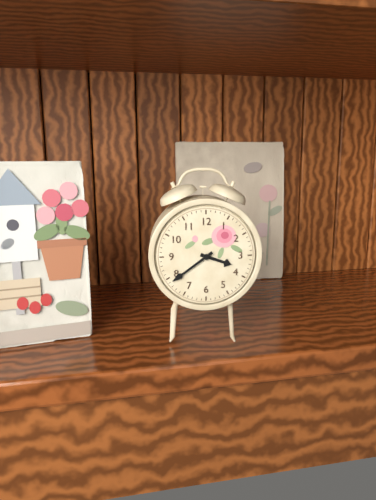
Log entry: h=3 m=39
